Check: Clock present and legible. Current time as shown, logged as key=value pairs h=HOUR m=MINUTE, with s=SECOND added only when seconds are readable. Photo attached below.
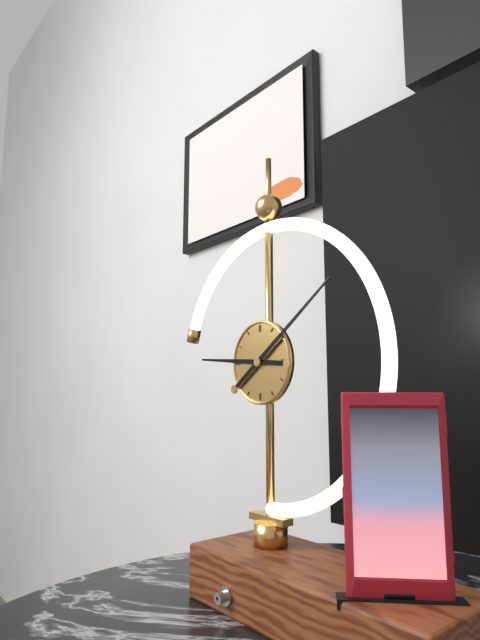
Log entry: h=9 m=9
